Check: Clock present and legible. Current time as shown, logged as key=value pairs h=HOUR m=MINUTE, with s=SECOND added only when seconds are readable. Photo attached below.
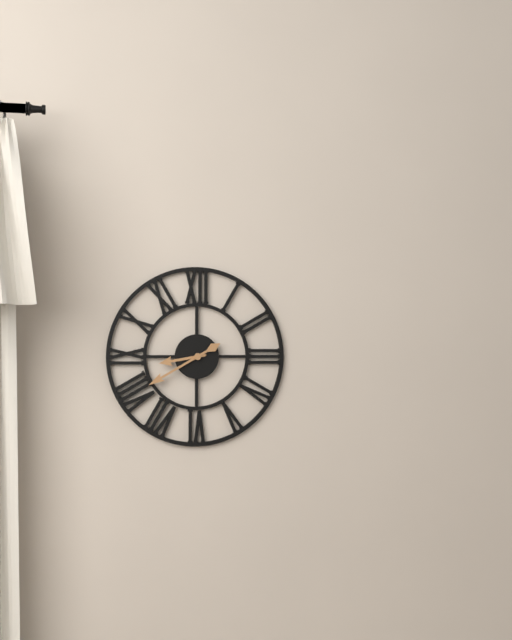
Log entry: h=8 m=40
